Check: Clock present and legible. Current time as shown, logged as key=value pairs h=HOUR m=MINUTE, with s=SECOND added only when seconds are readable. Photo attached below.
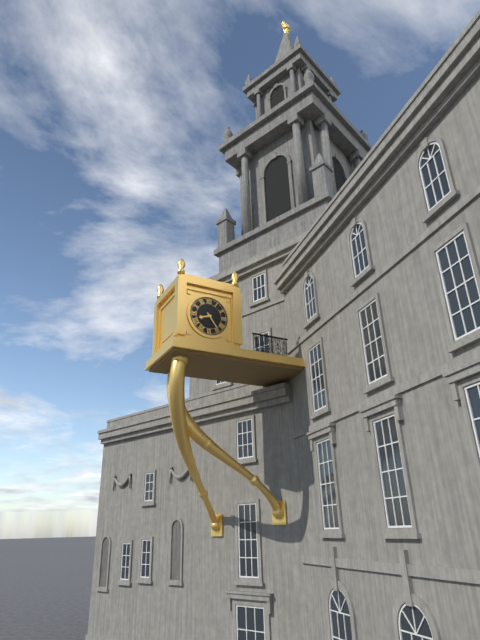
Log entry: h=8 m=24
